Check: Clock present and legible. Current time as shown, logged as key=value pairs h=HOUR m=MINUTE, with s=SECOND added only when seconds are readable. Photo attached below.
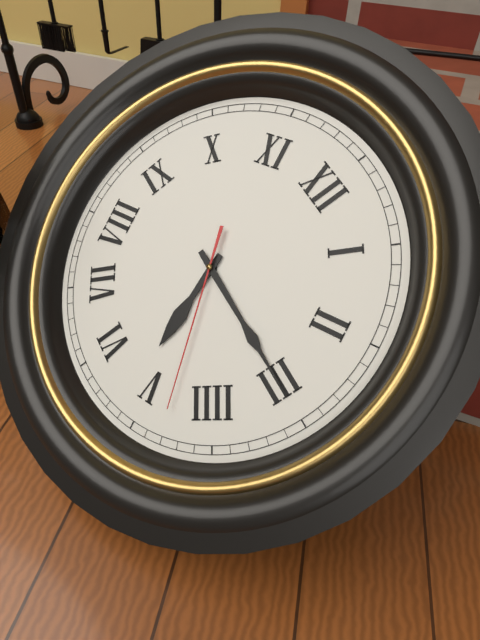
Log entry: h=5 m=15 s=23
